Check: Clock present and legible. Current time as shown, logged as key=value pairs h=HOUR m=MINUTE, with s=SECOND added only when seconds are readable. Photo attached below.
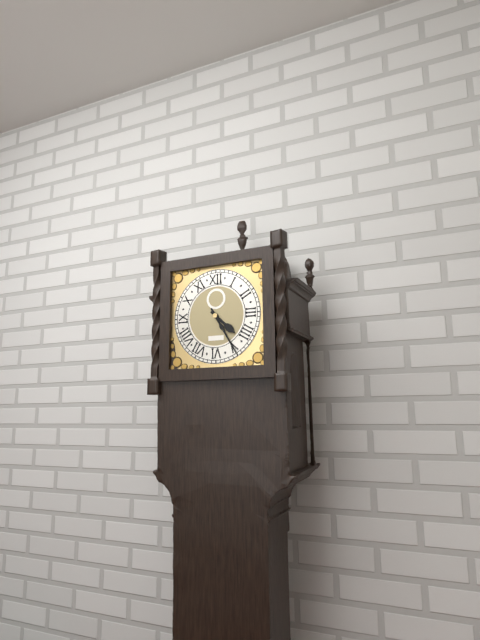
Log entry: h=4 m=25
